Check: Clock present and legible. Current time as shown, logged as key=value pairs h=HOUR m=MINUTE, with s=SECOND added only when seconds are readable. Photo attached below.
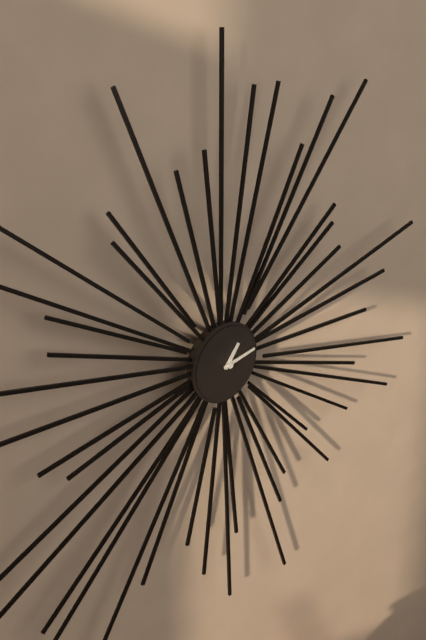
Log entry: h=1 m=13
